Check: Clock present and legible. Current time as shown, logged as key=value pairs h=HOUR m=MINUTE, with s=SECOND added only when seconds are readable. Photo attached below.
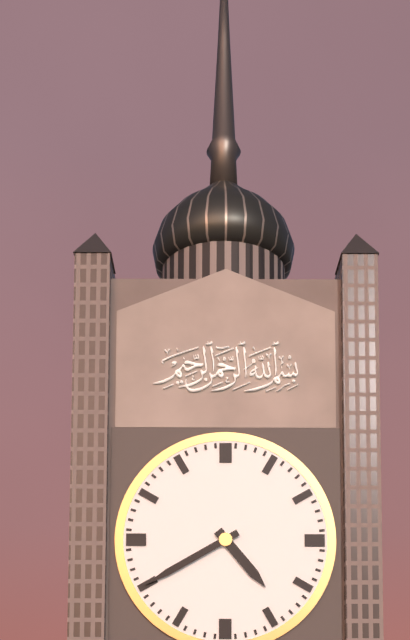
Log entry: h=4 m=40
